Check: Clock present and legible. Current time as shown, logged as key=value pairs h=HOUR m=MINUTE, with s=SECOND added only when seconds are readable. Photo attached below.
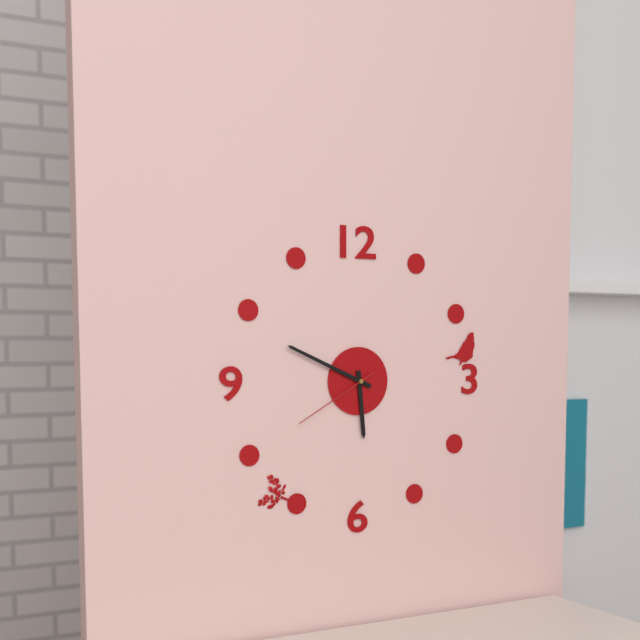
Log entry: h=5 m=49 s=40
